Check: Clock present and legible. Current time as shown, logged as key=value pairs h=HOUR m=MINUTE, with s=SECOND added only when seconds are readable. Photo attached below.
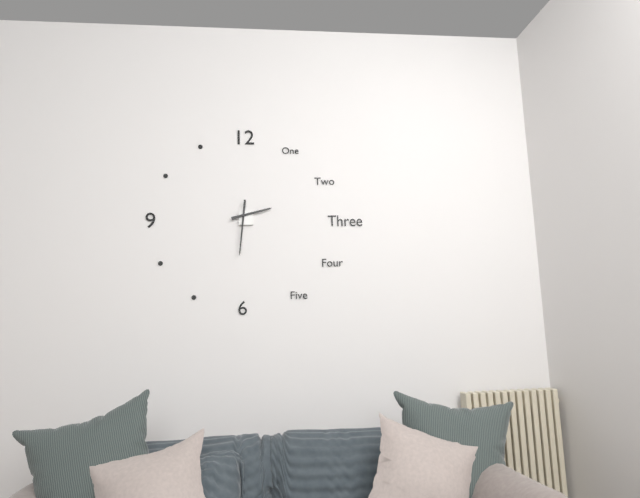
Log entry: h=2 m=31
